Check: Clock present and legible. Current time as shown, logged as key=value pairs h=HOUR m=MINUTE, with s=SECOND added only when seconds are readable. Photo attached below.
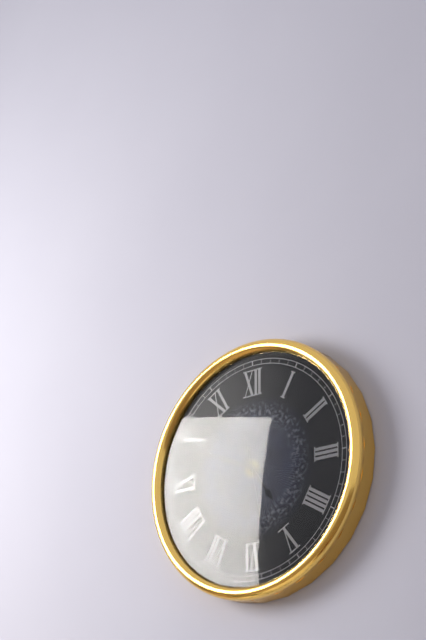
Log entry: h=4 m=49 s=28
